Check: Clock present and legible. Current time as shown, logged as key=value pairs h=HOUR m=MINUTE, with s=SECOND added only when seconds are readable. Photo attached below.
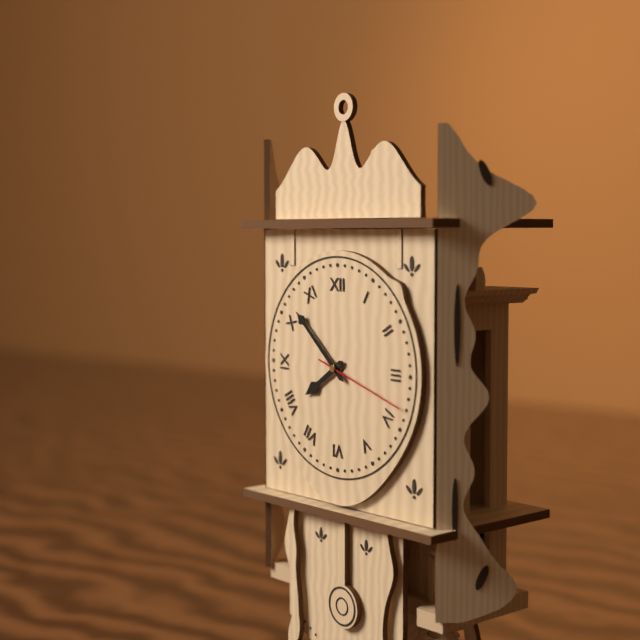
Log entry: h=7 m=52 s=18
